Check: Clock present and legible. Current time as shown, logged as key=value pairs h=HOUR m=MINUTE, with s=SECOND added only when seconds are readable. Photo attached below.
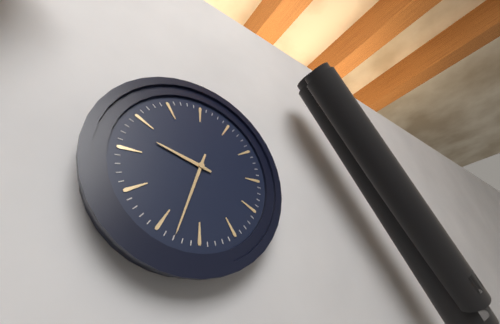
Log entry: h=9 m=33
